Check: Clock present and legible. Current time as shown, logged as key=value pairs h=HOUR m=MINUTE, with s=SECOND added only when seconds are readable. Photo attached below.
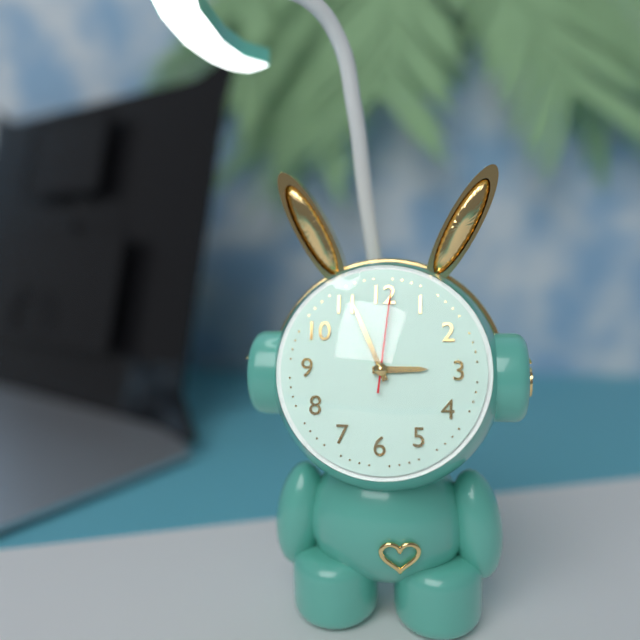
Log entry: h=2 m=56 s=1
